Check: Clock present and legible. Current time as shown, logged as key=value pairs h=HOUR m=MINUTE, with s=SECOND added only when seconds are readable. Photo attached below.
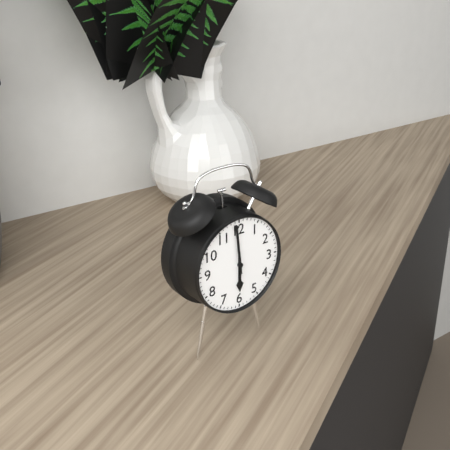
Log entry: h=5 m=59
